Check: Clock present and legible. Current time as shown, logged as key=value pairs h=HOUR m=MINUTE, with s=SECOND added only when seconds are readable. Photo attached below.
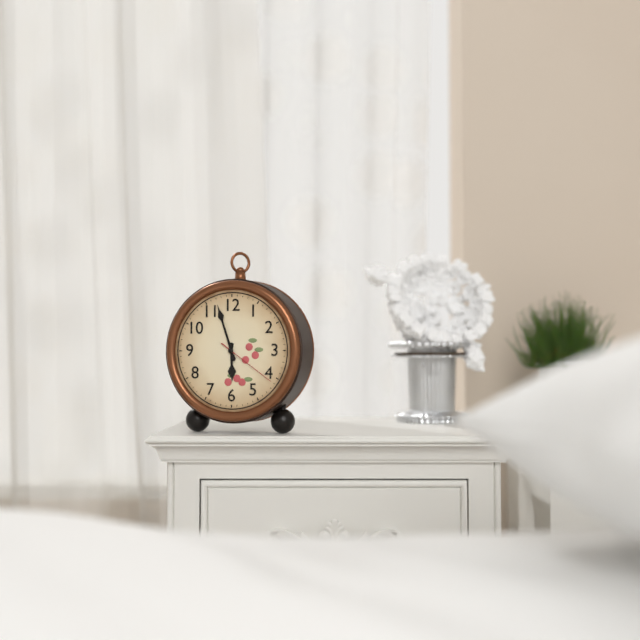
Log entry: h=5 m=57 s=21
